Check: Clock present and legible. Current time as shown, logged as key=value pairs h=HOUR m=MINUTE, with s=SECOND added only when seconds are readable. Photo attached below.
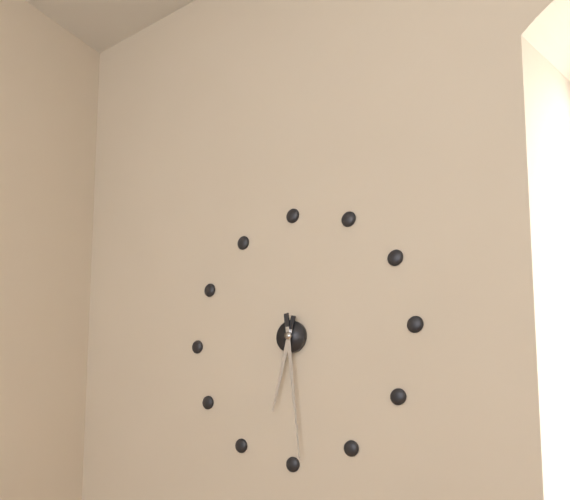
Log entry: h=6 m=29
